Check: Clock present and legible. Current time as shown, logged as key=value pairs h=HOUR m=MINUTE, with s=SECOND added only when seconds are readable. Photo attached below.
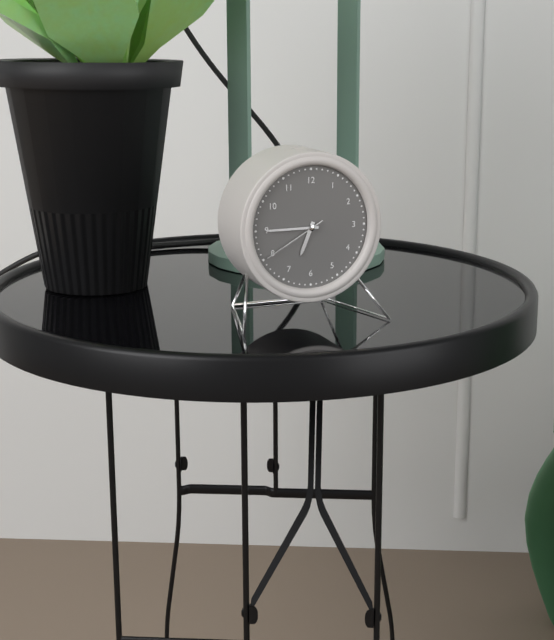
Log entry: h=6 m=45 s=40
